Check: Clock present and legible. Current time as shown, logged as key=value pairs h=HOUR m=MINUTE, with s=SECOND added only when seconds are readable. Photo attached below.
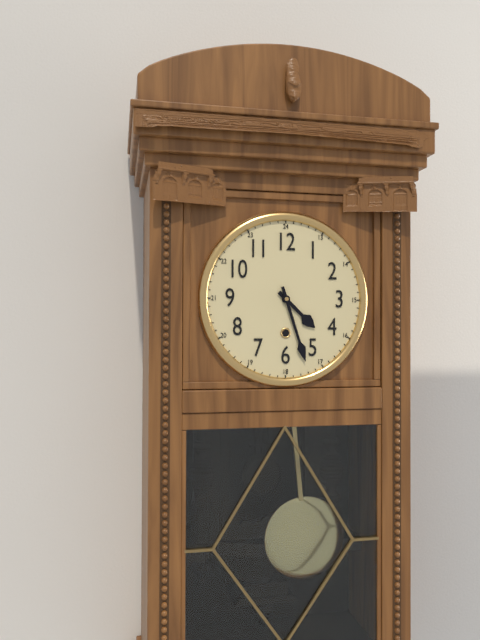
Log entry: h=4 m=27
